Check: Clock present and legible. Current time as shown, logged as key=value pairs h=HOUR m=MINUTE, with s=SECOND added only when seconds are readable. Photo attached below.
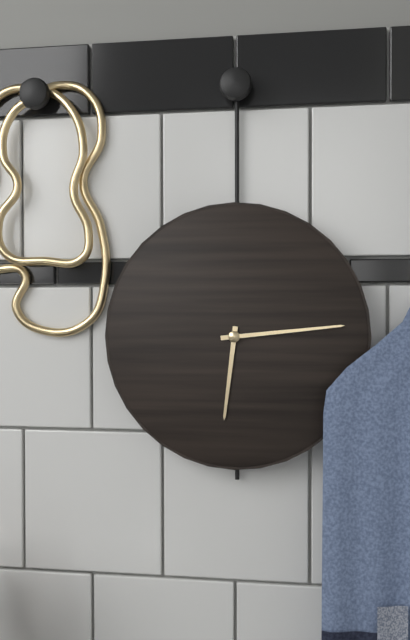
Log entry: h=6 m=14
